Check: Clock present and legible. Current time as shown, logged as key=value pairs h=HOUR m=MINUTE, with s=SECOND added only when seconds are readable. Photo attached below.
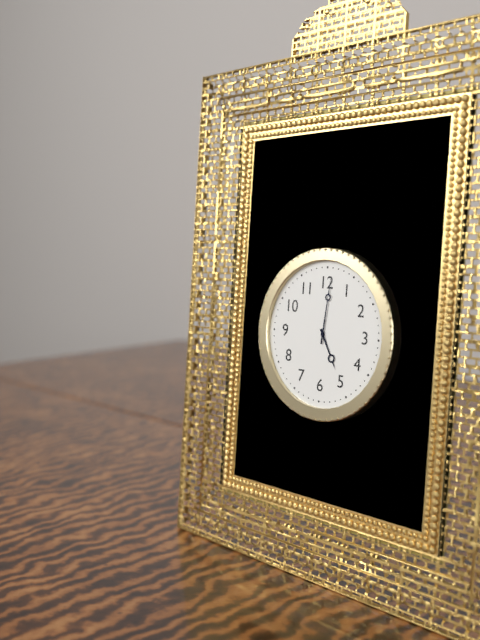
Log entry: h=5 m=1
